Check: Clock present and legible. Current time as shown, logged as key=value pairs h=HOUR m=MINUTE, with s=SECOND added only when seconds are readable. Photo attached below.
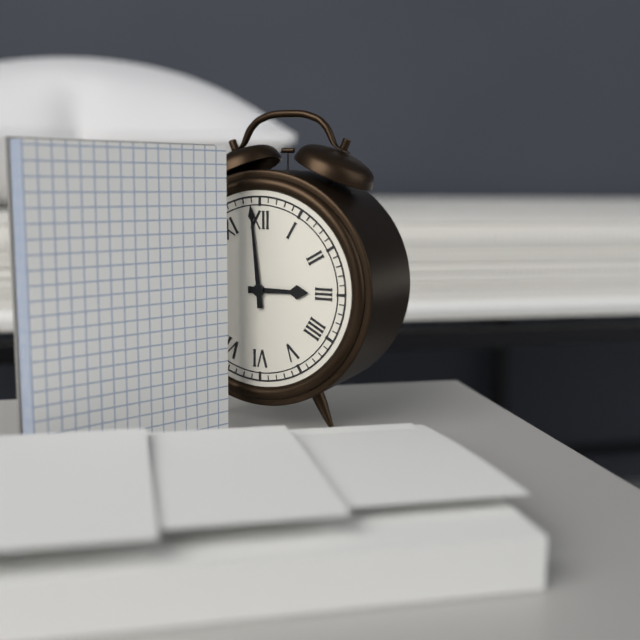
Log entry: h=2 m=59
